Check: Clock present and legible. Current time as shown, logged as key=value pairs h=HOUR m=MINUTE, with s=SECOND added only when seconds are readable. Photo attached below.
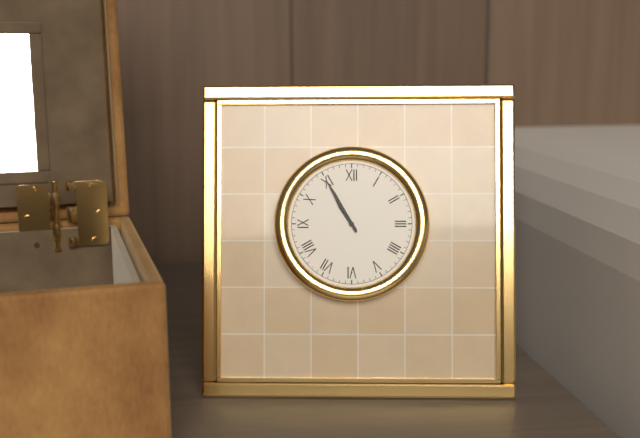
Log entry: h=10 m=55
